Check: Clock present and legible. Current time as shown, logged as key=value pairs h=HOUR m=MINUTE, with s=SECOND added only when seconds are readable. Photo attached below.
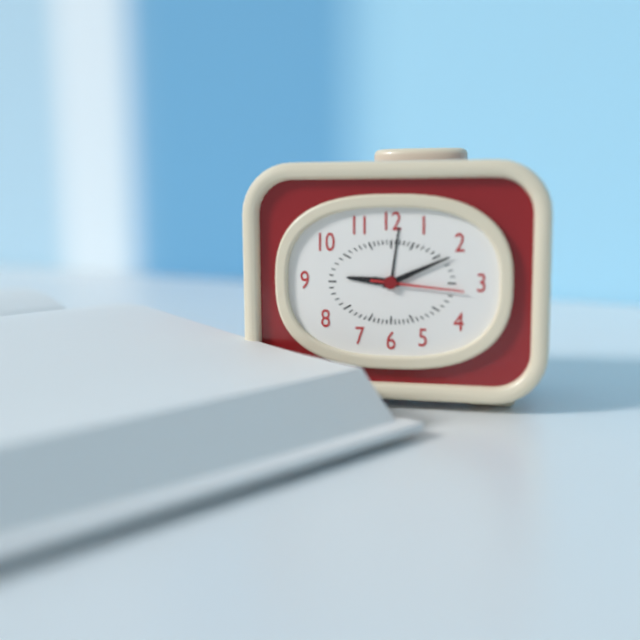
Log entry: h=9 m=11 s=16
